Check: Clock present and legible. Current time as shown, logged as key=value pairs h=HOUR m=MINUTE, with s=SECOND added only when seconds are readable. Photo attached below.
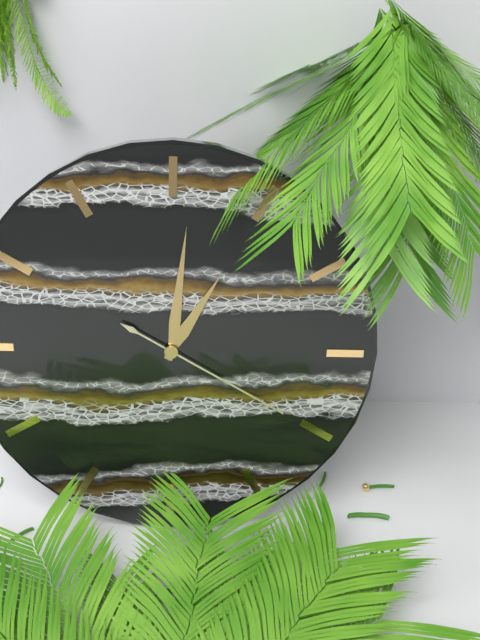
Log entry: h=1 m=1 s=20
